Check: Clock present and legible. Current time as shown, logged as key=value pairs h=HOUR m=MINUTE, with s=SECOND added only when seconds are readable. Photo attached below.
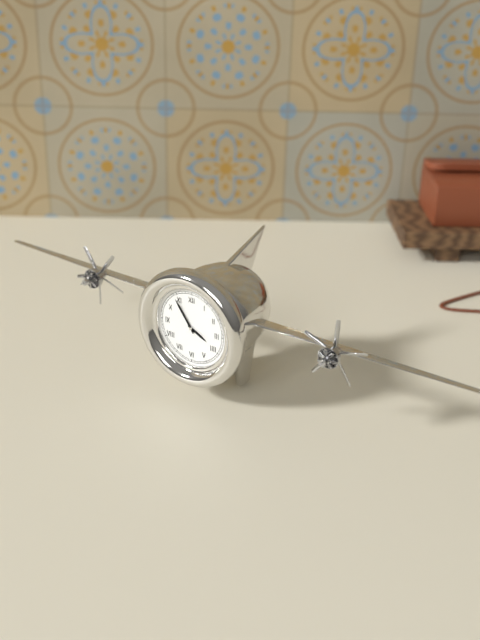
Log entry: h=3 m=54
